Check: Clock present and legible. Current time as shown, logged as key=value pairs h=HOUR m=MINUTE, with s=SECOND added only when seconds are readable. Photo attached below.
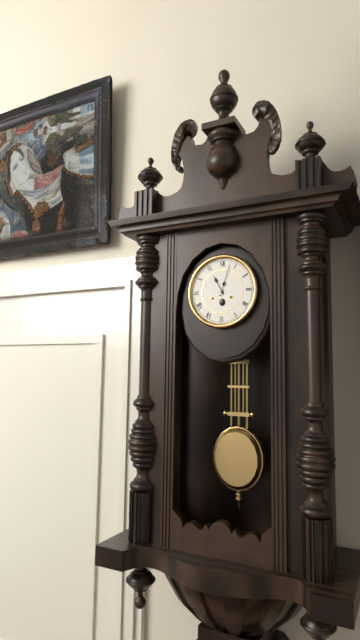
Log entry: h=11 m=3
